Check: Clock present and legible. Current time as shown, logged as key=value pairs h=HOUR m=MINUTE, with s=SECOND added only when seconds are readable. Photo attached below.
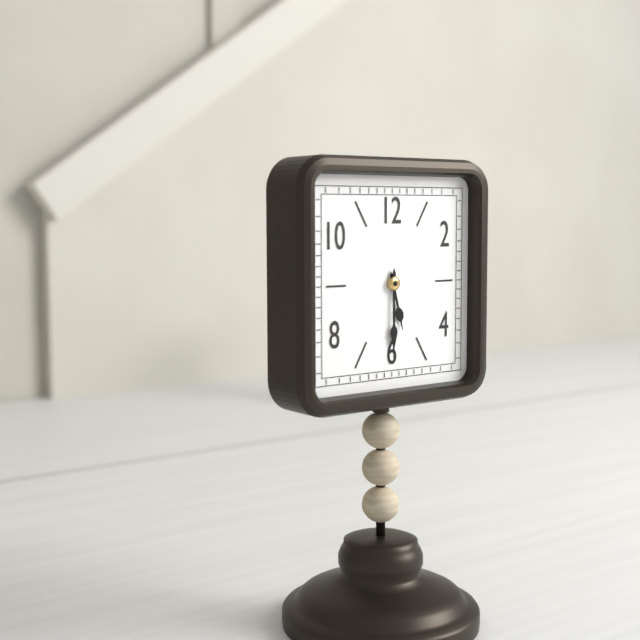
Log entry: h=5 m=30
